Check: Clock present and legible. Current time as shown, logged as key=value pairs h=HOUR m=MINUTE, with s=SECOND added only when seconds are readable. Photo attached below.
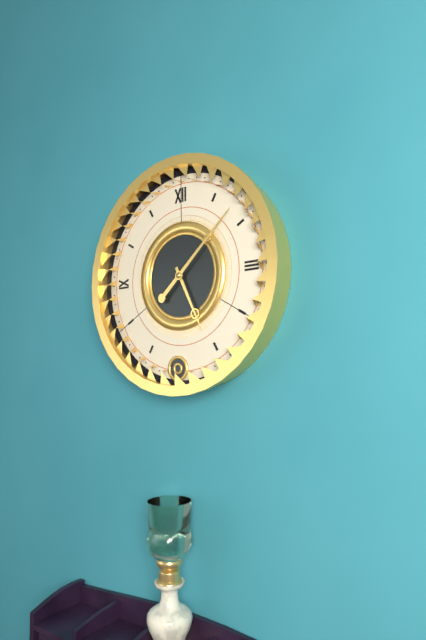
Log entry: h=5 m=8
